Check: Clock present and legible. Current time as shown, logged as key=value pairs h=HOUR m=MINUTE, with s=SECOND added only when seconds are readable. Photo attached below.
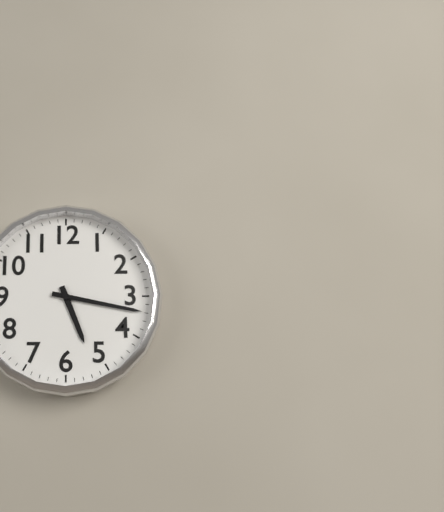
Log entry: h=5 m=17
